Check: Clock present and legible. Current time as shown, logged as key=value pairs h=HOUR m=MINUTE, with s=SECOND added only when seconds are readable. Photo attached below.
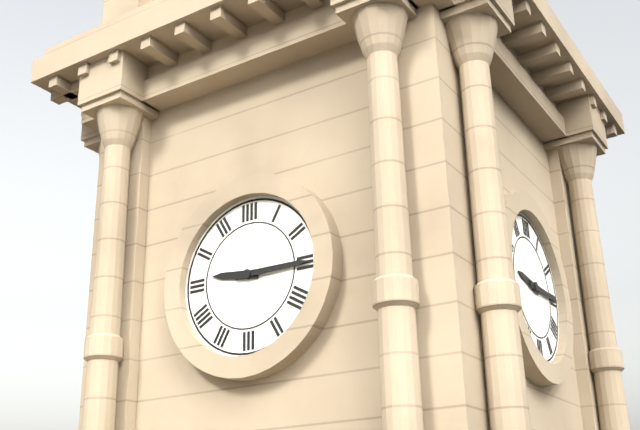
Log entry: h=9 m=15
